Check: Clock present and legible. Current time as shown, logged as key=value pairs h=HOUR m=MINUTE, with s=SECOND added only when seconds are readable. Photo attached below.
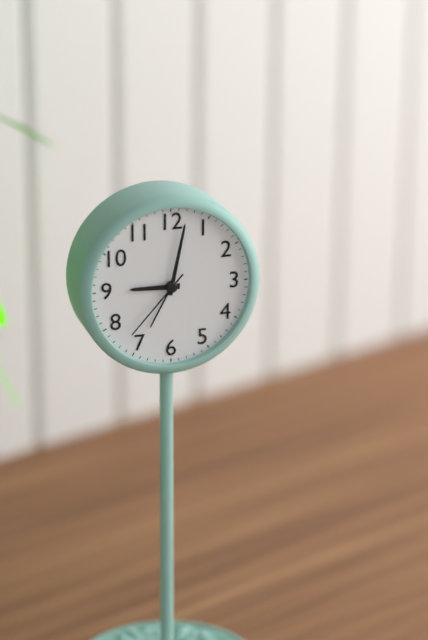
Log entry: h=9 m=2 s=37
